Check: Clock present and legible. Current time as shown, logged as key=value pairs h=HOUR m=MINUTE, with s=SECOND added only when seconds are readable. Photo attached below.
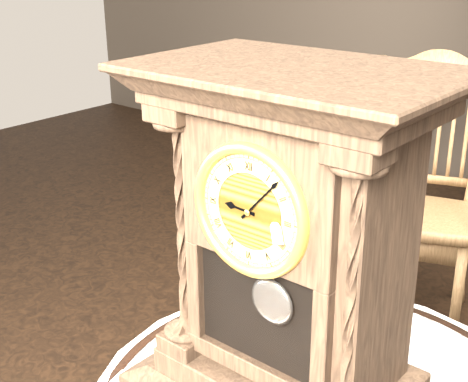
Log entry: h=9 m=7
